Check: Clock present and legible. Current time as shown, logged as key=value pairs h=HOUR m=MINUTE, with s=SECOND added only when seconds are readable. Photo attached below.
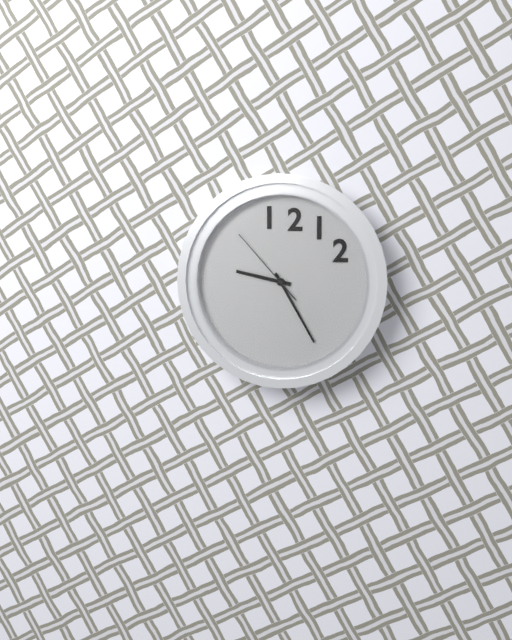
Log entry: h=9 m=25 s=53
